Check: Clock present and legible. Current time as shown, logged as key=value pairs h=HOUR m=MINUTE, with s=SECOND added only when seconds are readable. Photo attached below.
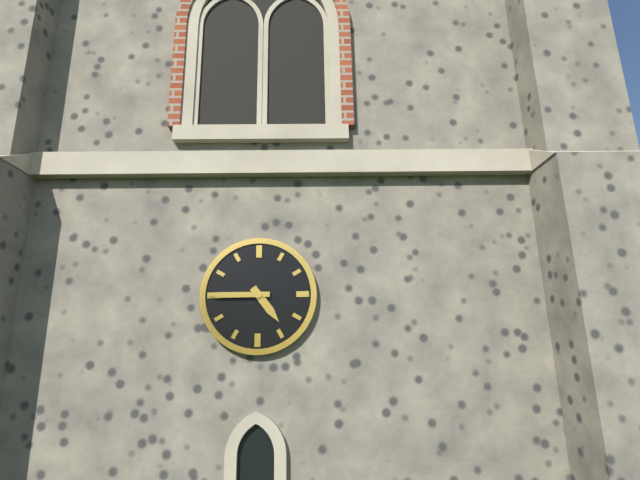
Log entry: h=4 m=45
